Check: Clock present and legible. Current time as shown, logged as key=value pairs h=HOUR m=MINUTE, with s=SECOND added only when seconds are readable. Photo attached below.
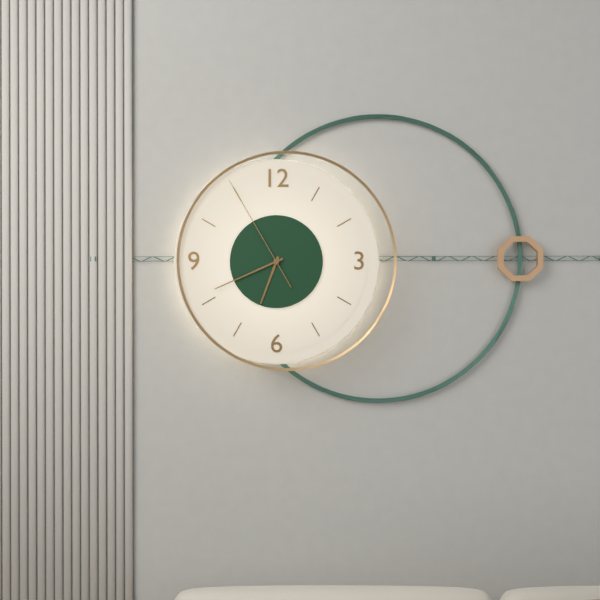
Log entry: h=6 m=41 s=55
